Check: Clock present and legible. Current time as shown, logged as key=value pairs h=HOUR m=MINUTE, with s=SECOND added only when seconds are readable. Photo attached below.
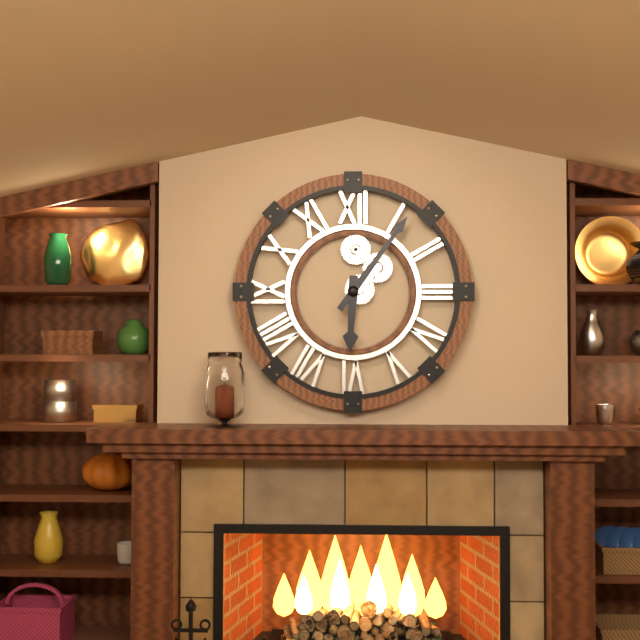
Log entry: h=6 m=6
